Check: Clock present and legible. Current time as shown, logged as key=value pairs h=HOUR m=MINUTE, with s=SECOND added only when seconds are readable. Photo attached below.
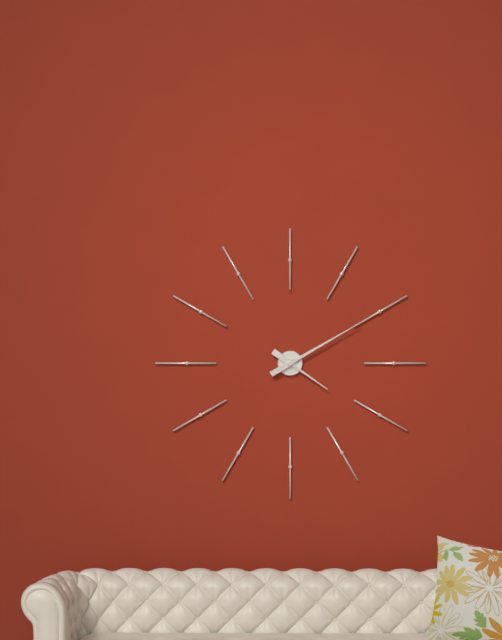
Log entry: h=4 m=10
